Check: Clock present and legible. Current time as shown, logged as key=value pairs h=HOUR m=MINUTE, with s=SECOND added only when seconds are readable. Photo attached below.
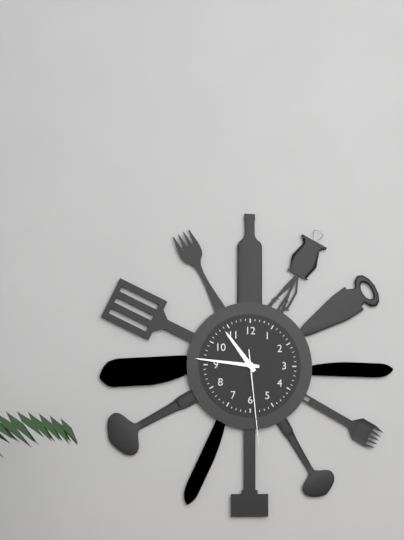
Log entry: h=10 m=46 s=29
